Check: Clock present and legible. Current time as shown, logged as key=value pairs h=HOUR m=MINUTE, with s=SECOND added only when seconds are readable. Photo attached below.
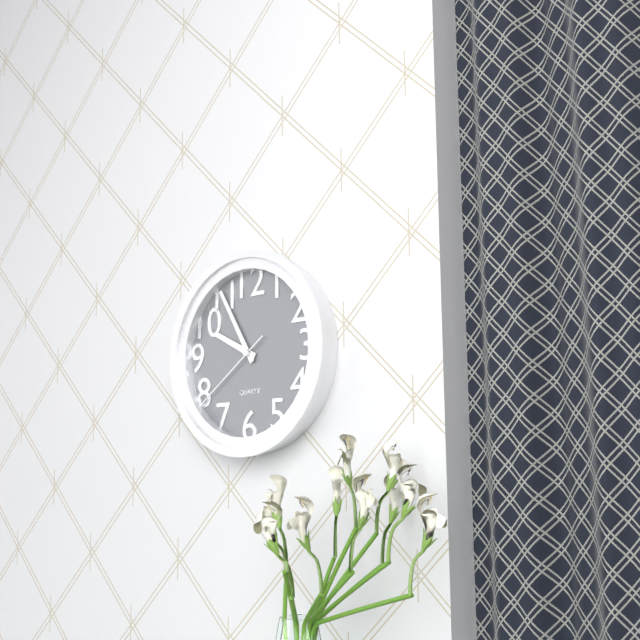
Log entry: h=9 m=55 s=39
